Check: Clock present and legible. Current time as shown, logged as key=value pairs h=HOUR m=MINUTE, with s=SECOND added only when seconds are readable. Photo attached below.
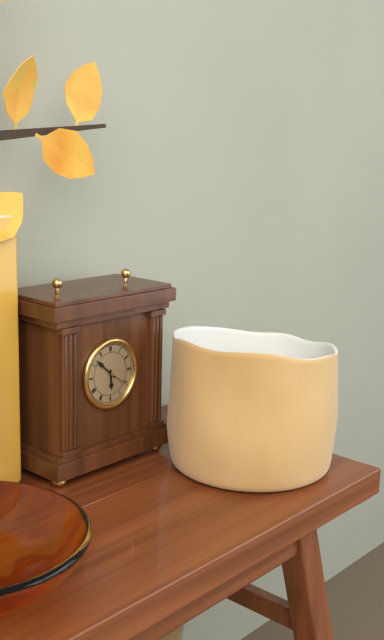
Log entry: h=5 m=52
